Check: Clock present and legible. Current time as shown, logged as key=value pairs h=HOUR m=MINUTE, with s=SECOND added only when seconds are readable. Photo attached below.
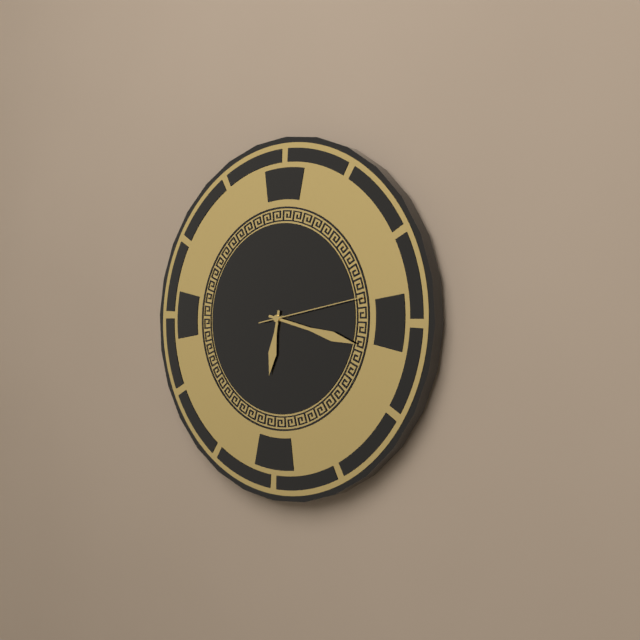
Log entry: h=6 m=17 s=13
